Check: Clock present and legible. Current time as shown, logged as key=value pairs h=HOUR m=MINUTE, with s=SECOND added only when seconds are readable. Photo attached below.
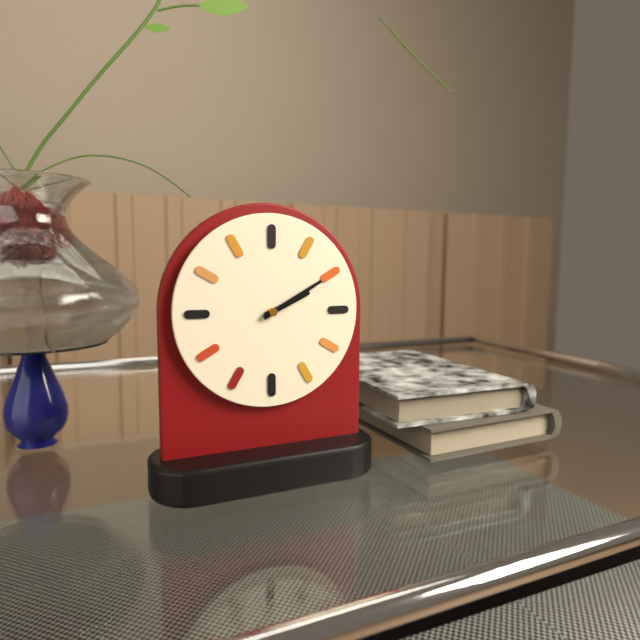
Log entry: h=2 m=10
